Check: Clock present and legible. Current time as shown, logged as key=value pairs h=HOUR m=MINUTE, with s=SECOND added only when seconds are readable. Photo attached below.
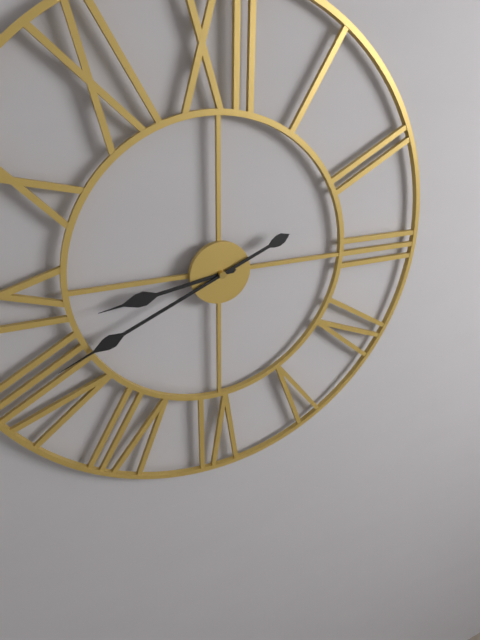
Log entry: h=8 m=41
